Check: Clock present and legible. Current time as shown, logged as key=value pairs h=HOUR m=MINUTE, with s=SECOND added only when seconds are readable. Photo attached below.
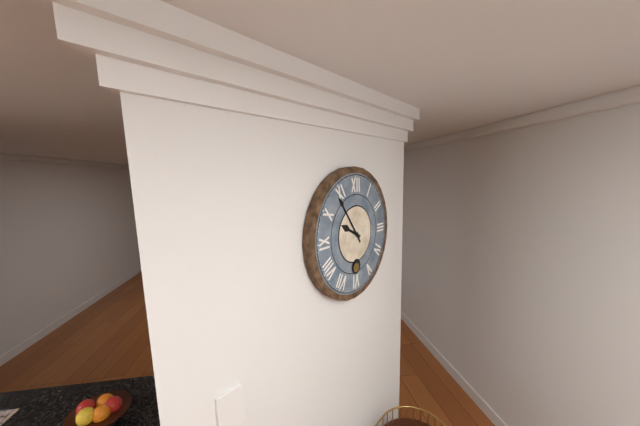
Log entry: h=9 m=54
